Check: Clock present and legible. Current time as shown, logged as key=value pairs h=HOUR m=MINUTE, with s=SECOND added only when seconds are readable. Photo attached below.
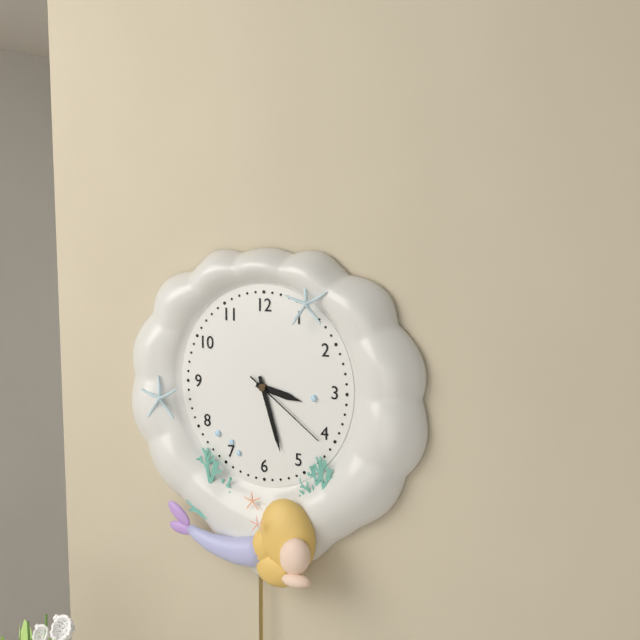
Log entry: h=3 m=27 s=21
